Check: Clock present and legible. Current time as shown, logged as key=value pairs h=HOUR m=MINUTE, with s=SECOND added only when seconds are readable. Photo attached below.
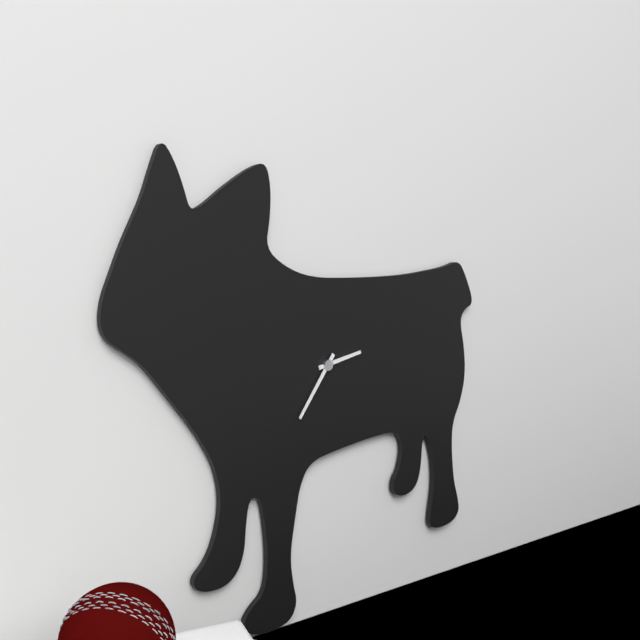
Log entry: h=2 m=36
